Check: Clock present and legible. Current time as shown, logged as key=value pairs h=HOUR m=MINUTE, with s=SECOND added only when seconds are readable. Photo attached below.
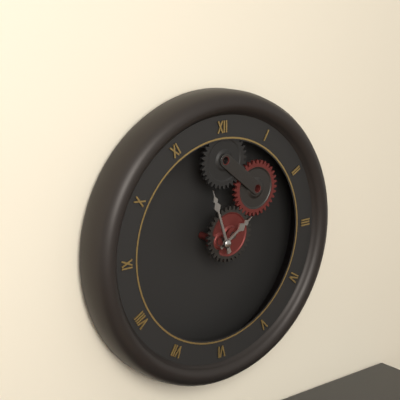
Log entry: h=1 m=57
